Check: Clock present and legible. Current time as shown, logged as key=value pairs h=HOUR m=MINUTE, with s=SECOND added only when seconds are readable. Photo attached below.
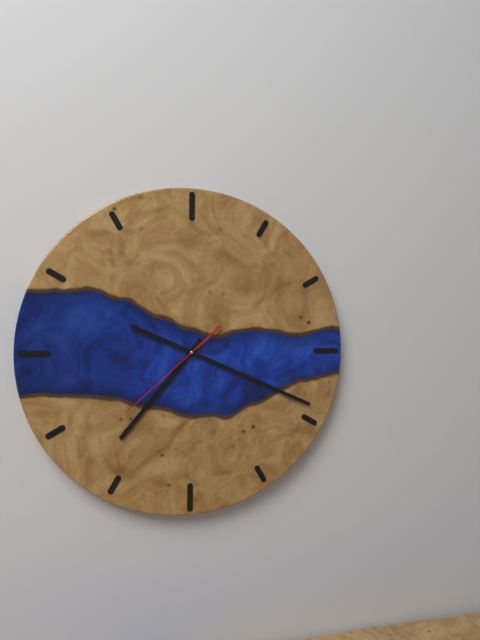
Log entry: h=7 m=19 s=38
